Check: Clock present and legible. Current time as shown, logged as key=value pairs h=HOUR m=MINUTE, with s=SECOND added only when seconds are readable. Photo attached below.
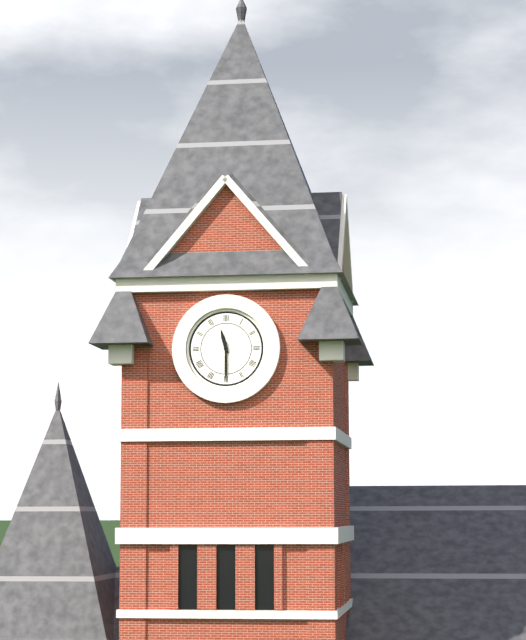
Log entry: h=11 m=30
